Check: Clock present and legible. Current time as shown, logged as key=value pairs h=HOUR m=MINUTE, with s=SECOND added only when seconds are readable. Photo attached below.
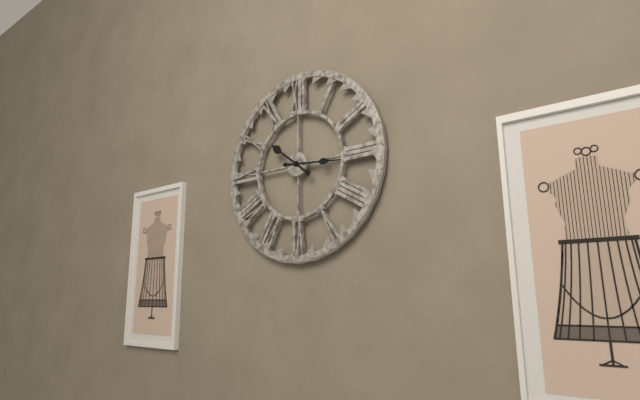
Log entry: h=10 m=16
